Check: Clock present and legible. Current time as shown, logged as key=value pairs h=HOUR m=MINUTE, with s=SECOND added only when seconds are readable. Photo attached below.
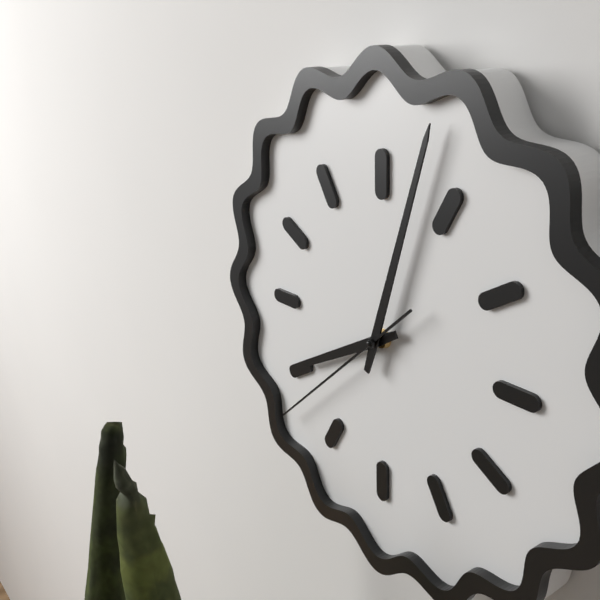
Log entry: h=8 m=3 s=38
